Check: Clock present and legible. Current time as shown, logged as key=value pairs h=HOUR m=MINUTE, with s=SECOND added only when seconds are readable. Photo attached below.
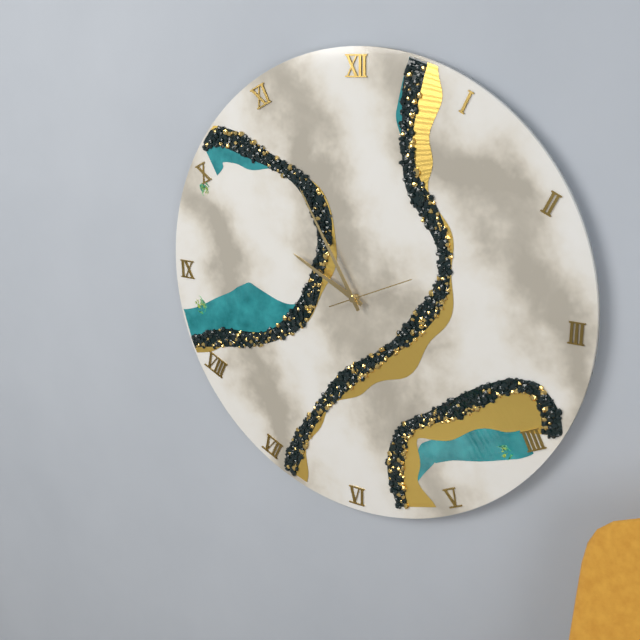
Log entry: h=9 m=55 s=11
